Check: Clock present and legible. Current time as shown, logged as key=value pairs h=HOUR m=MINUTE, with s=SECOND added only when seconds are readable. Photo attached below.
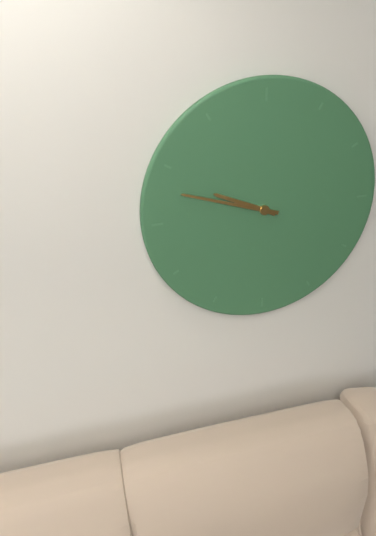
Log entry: h=9 m=48
